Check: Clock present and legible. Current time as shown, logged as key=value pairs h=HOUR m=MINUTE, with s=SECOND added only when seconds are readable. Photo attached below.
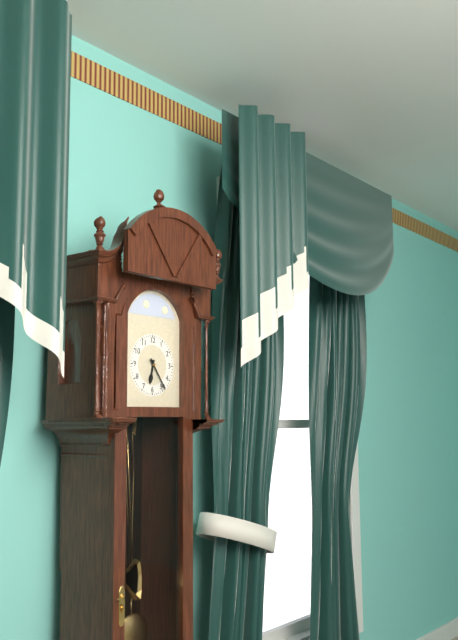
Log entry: h=6 m=24
